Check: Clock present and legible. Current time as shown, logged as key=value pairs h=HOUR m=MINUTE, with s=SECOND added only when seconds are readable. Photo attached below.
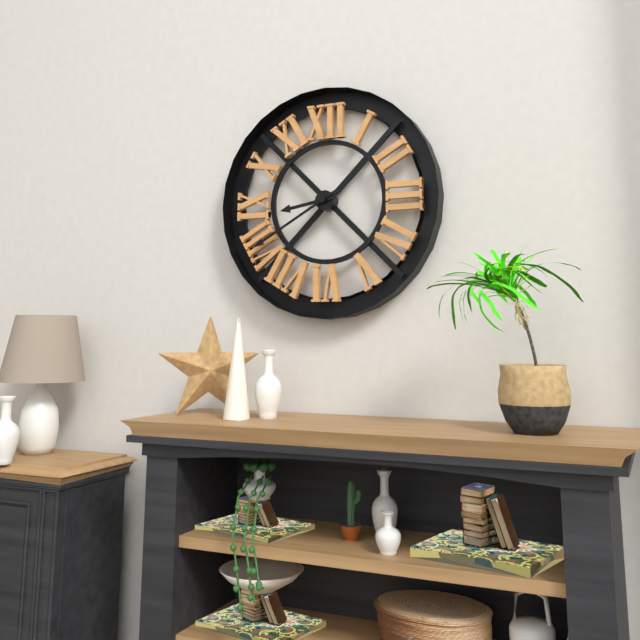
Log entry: h=8 m=40
